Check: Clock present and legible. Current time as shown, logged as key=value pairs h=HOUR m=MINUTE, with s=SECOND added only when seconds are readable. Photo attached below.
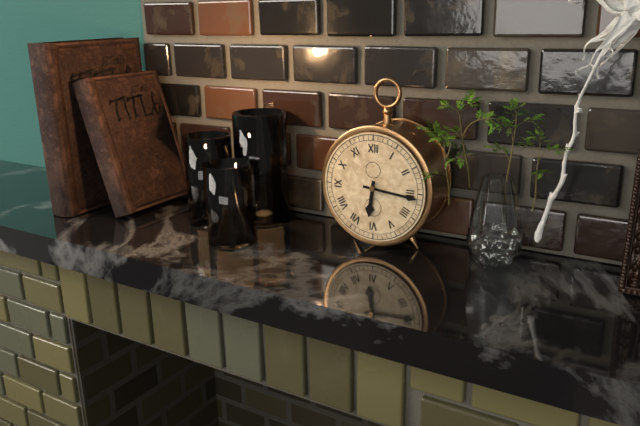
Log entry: h=6 m=16
